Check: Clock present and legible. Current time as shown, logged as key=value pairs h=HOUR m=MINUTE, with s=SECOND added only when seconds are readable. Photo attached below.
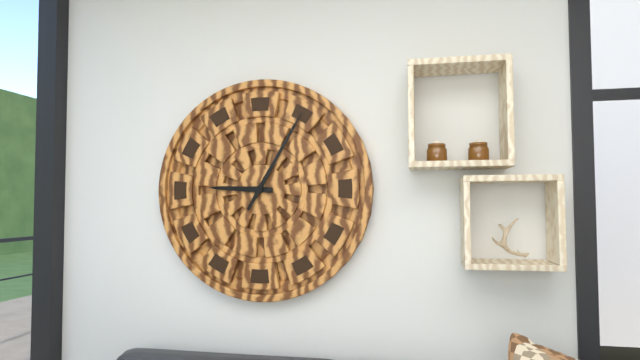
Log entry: h=9 m=5
